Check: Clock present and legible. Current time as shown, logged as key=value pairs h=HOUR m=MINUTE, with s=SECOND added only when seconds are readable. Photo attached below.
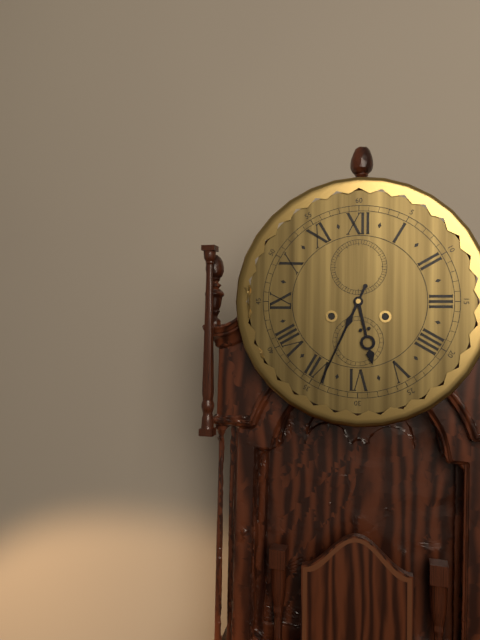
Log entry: h=5 m=34
